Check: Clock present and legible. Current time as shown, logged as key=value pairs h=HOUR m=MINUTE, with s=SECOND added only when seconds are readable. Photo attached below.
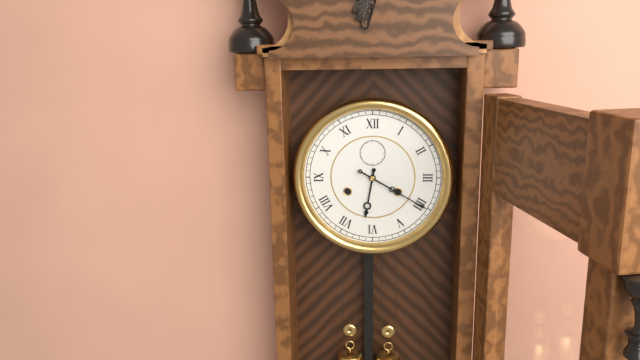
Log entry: h=6 m=20
